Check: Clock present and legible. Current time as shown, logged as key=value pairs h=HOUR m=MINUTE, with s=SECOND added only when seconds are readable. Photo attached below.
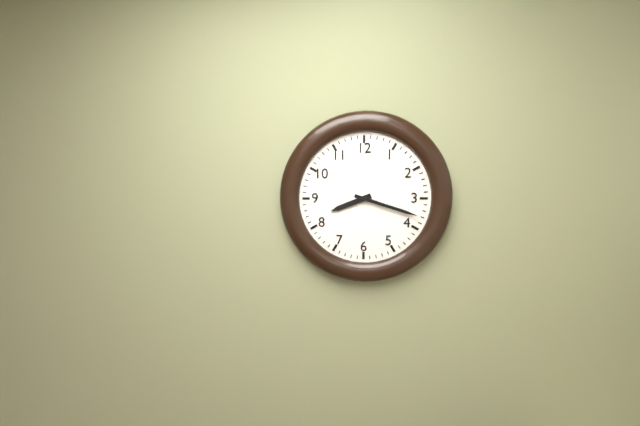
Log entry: h=8 m=18
